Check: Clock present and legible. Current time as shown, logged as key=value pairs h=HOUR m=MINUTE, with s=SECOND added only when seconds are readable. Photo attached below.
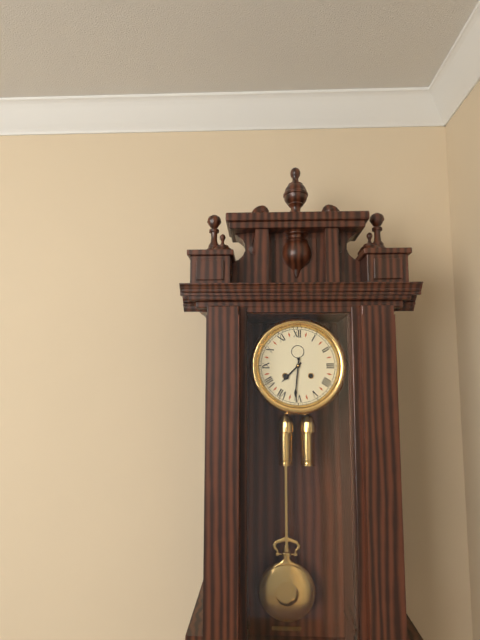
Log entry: h=7 m=31
